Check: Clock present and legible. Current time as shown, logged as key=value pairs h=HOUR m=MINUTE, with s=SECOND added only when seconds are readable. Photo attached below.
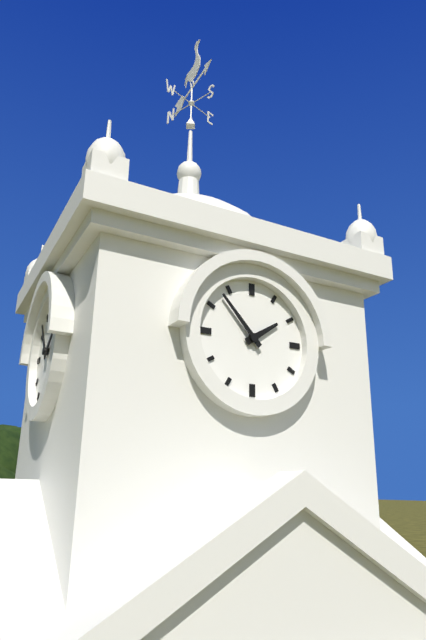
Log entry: h=1 m=53
